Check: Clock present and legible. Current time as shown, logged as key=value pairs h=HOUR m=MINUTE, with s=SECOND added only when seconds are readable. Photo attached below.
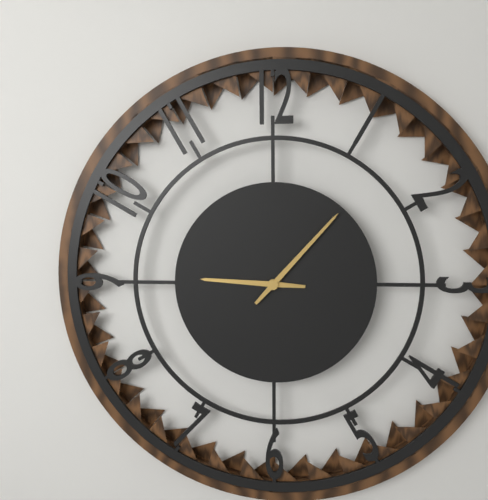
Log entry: h=9 m=7
